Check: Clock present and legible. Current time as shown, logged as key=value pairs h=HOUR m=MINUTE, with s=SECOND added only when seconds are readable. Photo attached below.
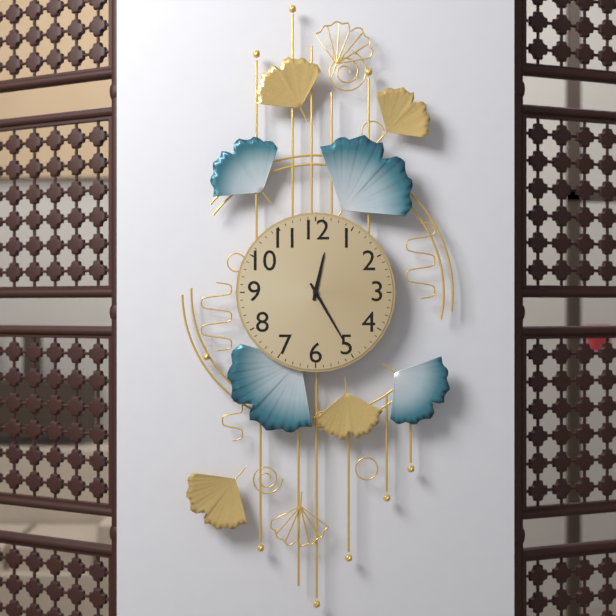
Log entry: h=12 m=25
